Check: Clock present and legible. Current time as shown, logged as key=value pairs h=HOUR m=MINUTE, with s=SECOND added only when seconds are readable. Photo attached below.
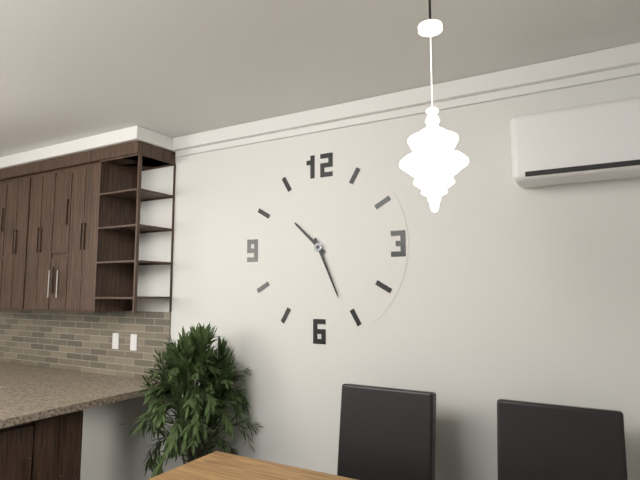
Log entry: h=10 m=26
